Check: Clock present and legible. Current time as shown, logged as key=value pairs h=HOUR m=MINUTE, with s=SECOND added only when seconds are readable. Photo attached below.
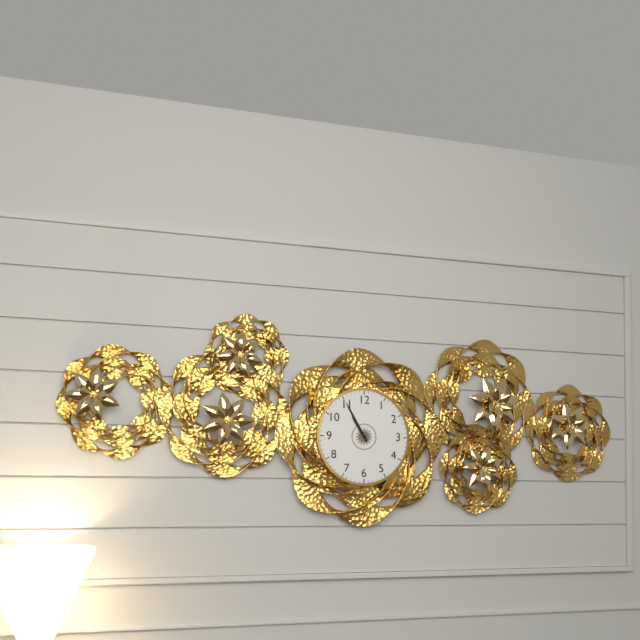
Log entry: h=10 m=55
